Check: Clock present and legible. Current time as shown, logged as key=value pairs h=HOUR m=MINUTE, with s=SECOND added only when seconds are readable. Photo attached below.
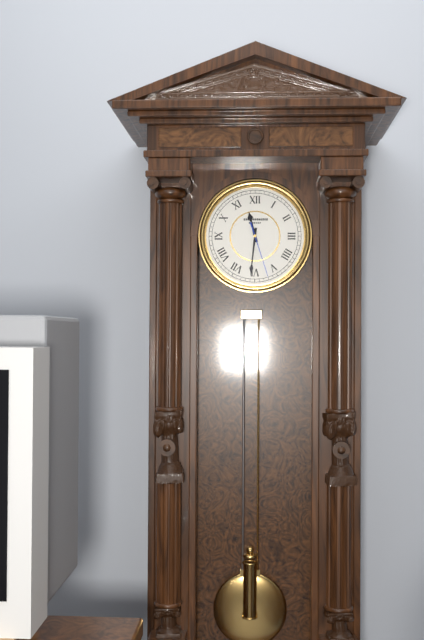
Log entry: h=11 m=31 s=27
